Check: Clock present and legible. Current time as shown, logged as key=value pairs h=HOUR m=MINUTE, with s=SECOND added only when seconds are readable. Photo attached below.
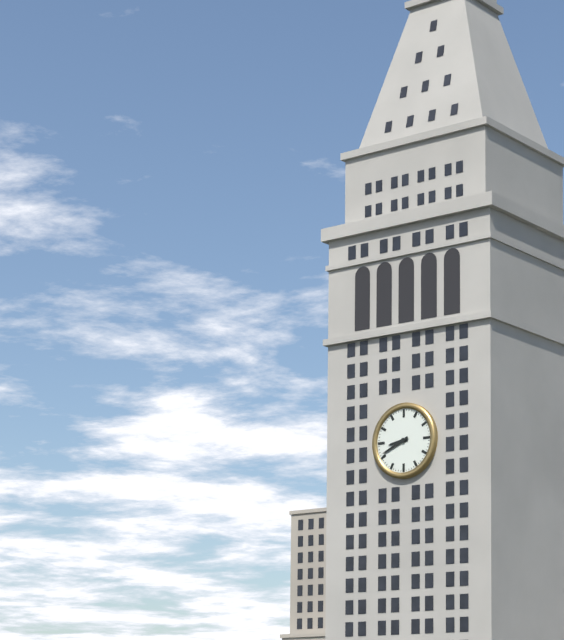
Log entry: h=8 m=41
